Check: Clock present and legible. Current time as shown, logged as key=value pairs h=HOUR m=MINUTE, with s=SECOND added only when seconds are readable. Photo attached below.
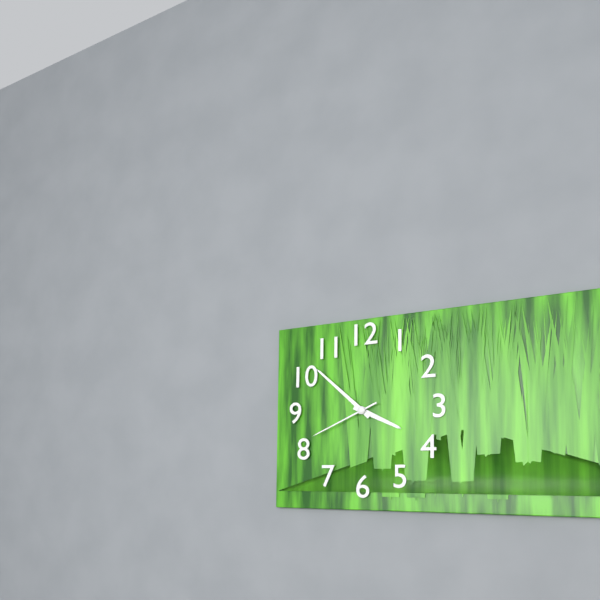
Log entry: h=3 m=52 s=41
